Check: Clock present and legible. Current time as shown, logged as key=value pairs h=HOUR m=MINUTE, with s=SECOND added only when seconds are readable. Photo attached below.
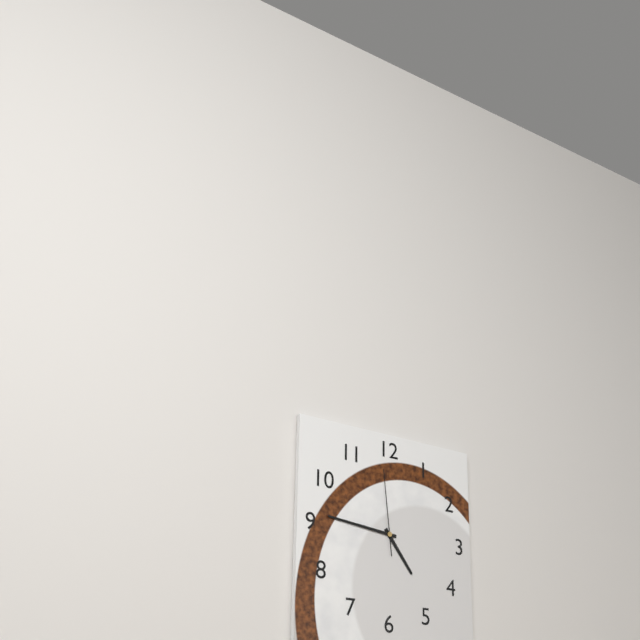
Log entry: h=4 m=46 s=59
